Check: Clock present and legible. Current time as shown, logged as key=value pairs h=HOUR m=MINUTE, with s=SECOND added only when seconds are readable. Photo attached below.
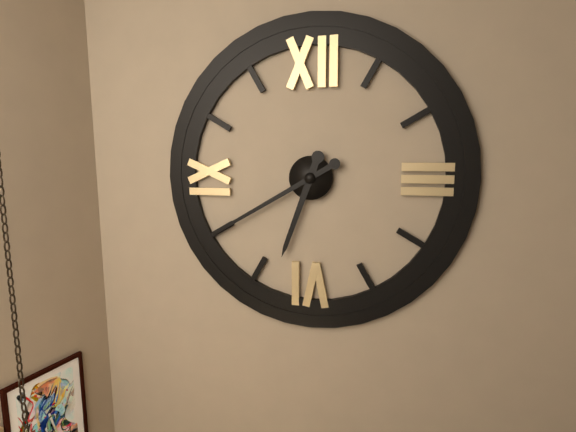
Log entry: h=6 m=40
